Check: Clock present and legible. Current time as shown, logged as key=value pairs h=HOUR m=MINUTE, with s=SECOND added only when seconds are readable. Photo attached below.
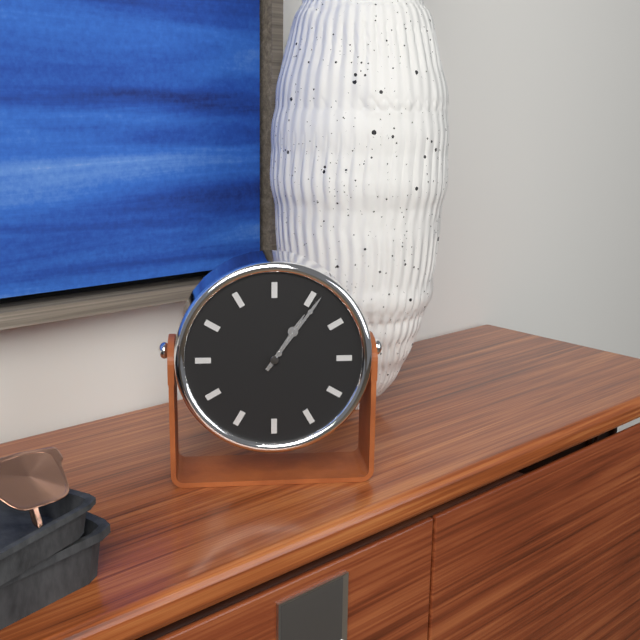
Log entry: h=1 m=6
